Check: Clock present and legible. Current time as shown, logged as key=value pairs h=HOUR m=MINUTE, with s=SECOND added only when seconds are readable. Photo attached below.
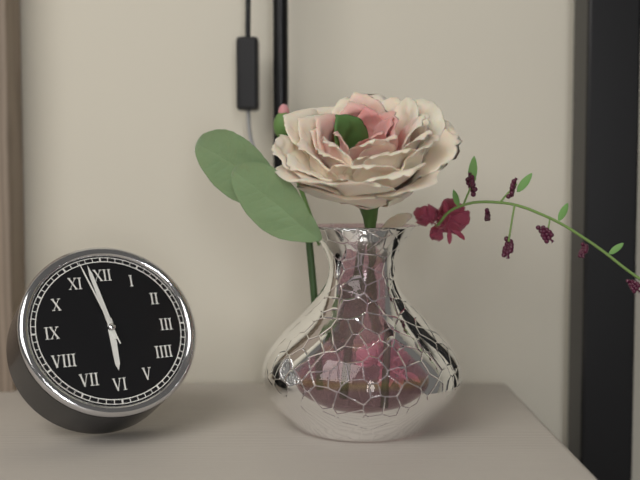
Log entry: h=5 m=58 s=57
